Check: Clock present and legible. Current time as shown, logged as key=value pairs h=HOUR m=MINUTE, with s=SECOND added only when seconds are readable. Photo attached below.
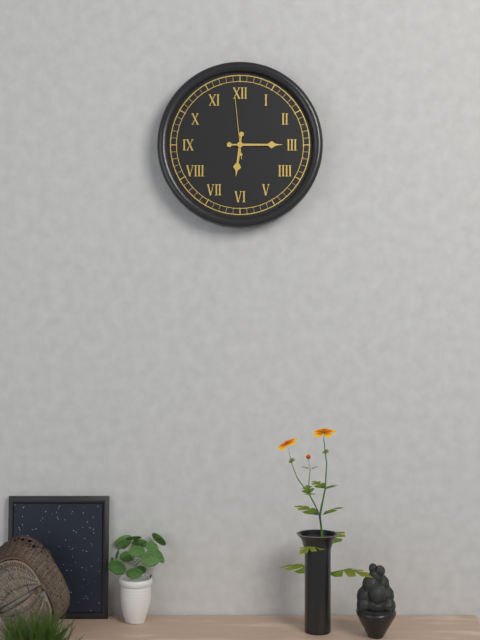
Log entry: h=6 m=15 s=59
